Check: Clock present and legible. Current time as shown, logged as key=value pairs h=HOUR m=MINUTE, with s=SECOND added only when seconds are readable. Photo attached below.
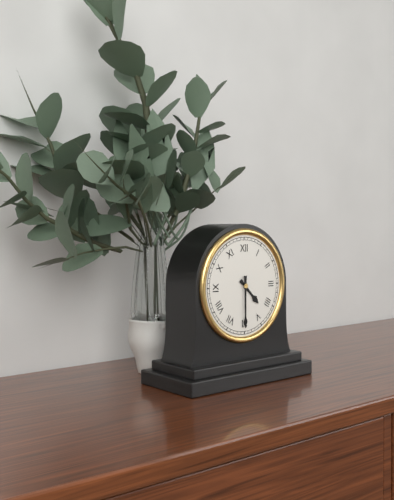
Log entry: h=4 m=30
